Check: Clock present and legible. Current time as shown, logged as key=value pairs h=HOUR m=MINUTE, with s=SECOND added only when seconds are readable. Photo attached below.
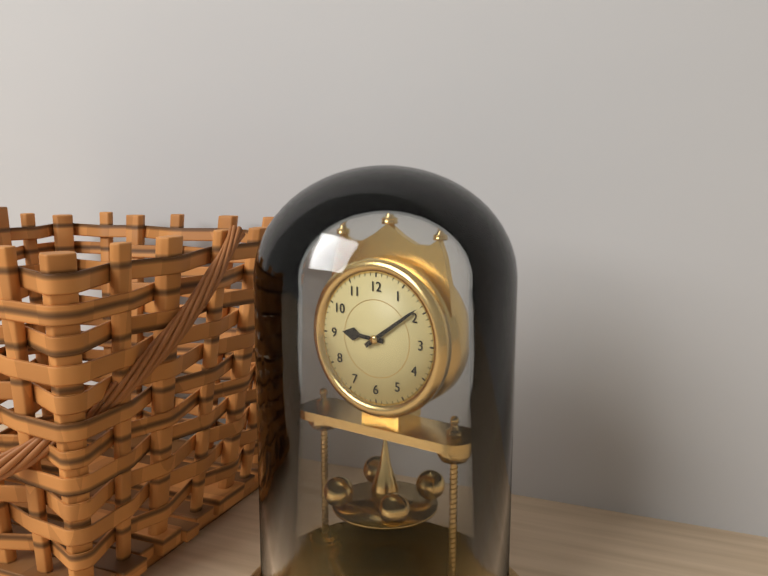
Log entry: h=9 m=9
